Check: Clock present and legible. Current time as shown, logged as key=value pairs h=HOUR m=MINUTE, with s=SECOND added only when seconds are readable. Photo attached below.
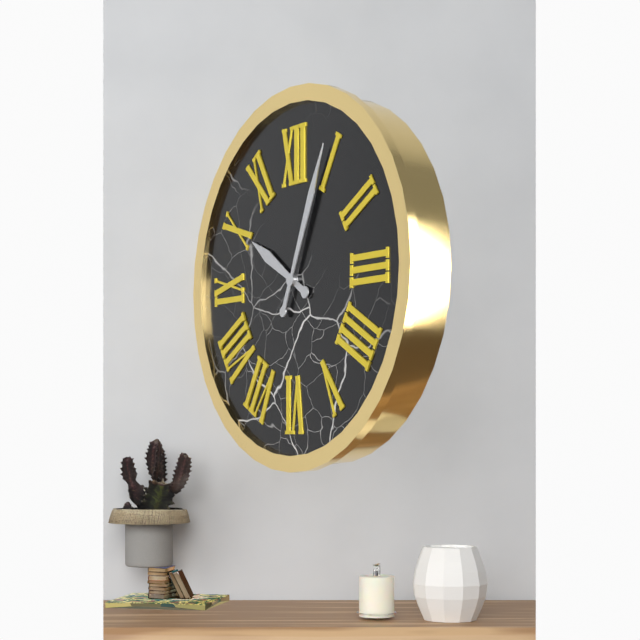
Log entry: h=10 m=4
